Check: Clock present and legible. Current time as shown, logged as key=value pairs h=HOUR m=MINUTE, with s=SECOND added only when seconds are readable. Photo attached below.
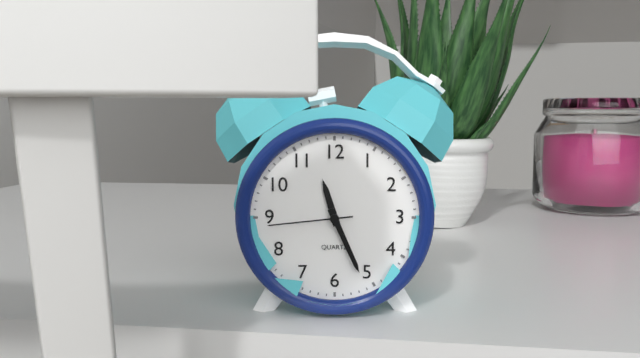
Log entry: h=11 m=26 s=44
